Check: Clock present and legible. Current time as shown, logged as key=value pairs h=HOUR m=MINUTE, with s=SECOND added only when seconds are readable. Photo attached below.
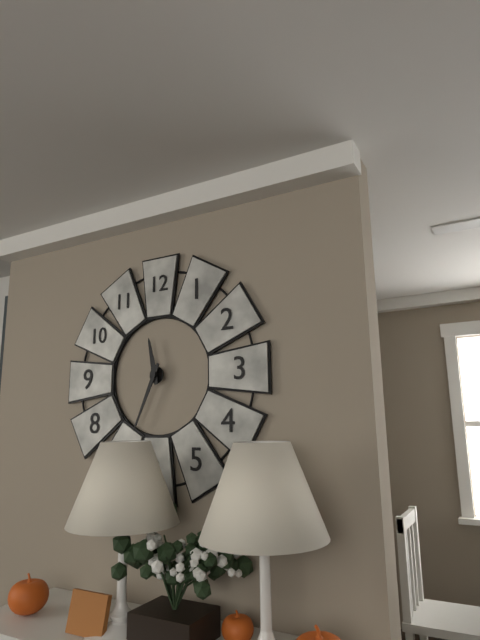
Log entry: h=11 m=34
